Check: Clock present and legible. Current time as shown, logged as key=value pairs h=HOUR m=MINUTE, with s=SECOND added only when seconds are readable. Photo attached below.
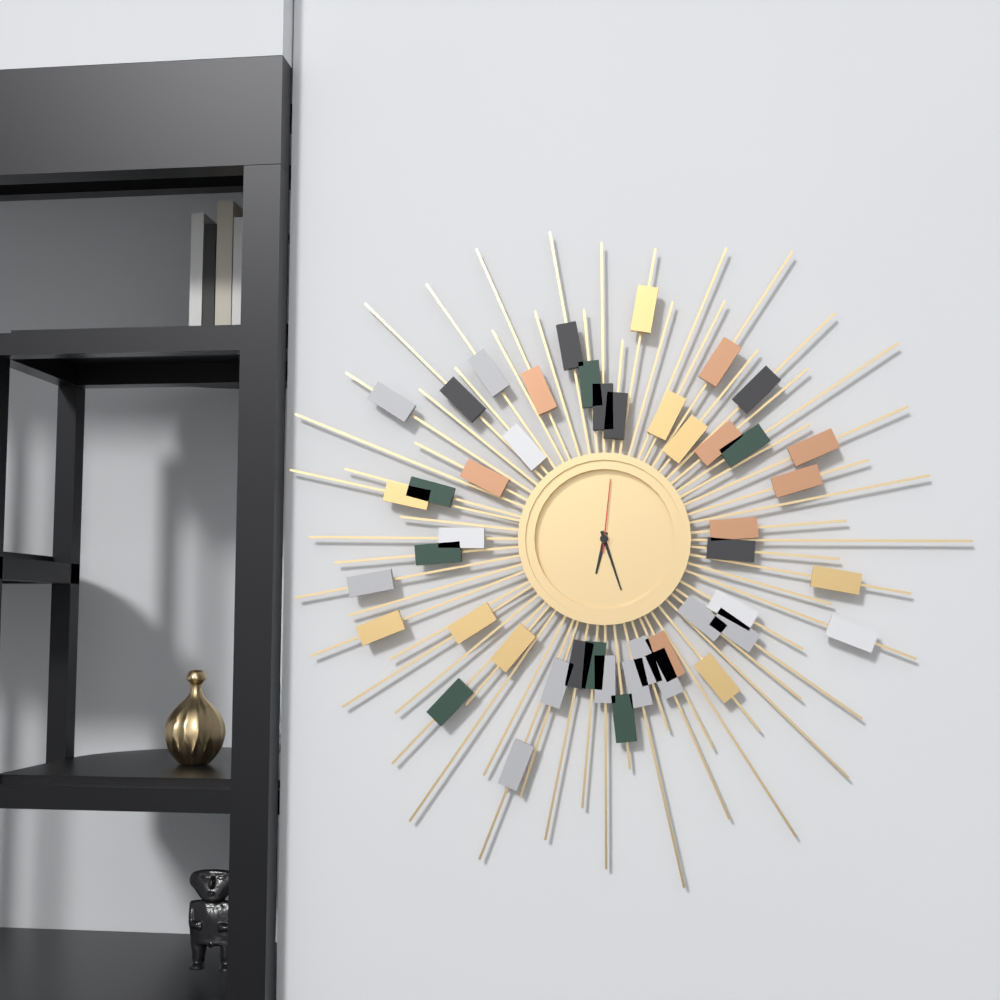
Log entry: h=6 m=27 s=1
